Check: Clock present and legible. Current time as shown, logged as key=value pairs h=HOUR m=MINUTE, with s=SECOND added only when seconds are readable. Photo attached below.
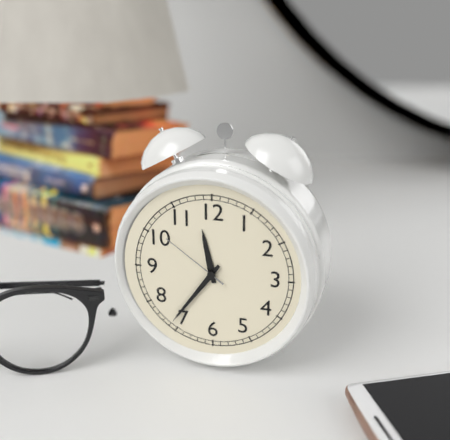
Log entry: h=11 m=36 s=51
